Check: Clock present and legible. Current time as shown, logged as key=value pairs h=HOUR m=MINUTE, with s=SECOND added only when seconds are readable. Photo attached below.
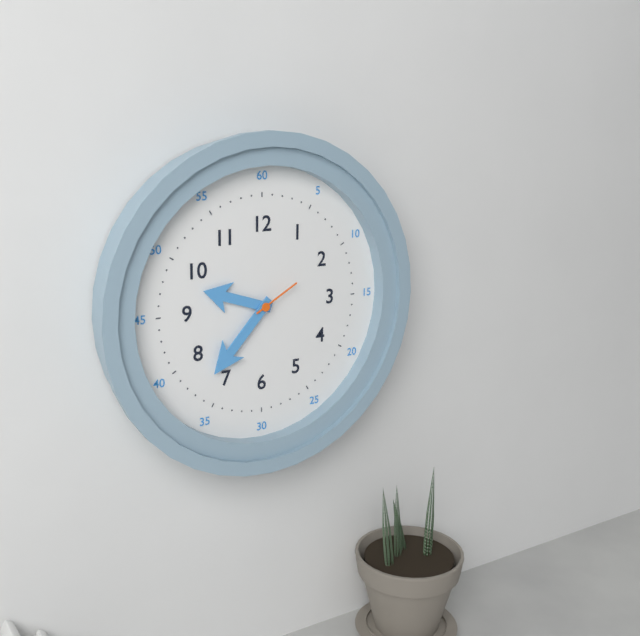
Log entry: h=9 m=37 s=10
